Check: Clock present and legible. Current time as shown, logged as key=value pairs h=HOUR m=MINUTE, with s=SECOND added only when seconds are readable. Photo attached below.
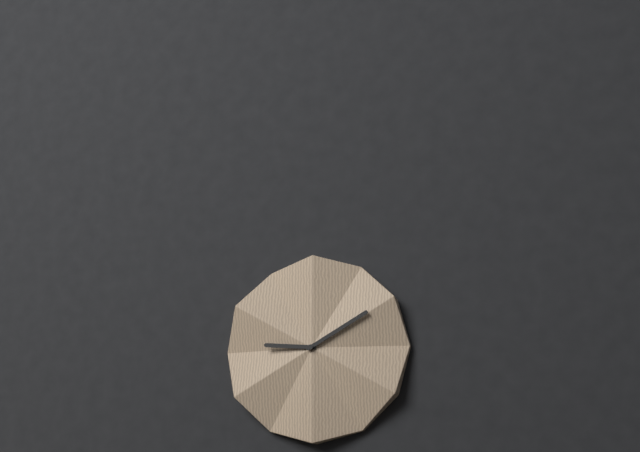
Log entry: h=9 m=10
